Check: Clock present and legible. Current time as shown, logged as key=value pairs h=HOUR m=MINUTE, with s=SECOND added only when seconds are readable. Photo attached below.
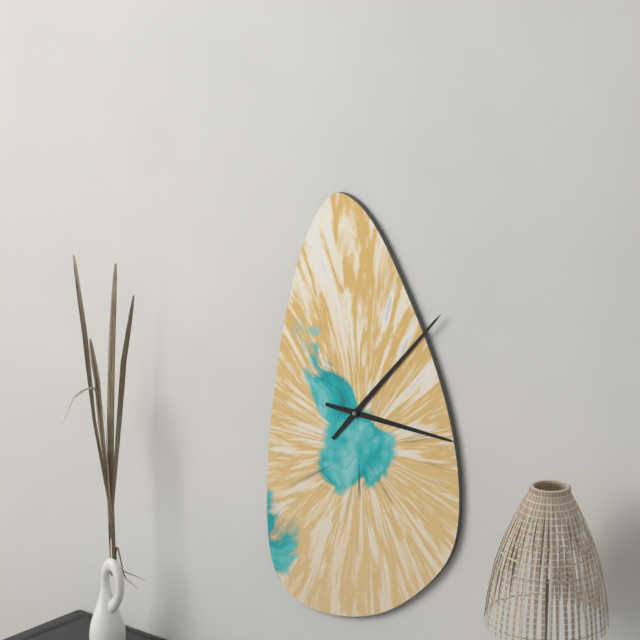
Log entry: h=3 m=7
